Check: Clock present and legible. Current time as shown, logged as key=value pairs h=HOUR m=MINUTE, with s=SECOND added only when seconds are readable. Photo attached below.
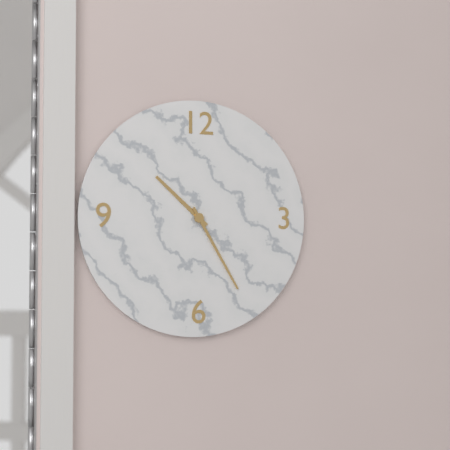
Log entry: h=10 m=25
